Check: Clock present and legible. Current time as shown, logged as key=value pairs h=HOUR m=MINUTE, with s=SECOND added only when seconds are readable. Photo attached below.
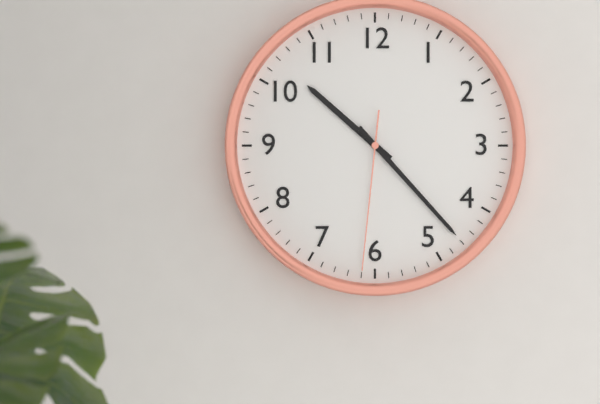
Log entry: h=10 m=23 s=31
